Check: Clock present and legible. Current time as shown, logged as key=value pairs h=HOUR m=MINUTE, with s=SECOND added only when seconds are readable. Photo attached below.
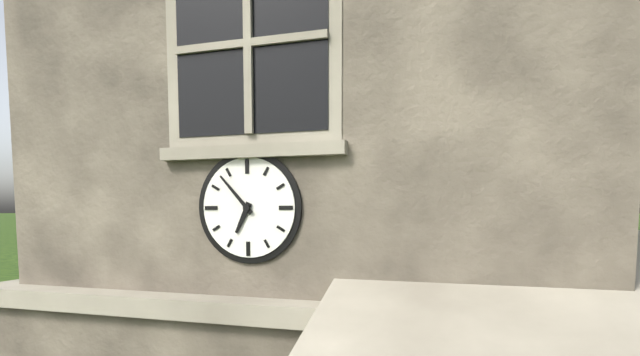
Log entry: h=6 m=53
